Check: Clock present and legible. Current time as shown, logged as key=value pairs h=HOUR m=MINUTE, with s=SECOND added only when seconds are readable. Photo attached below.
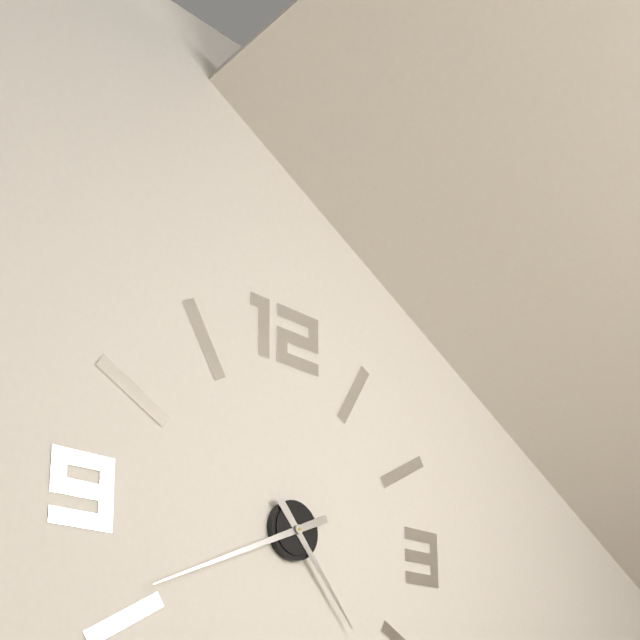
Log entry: h=4 m=41
